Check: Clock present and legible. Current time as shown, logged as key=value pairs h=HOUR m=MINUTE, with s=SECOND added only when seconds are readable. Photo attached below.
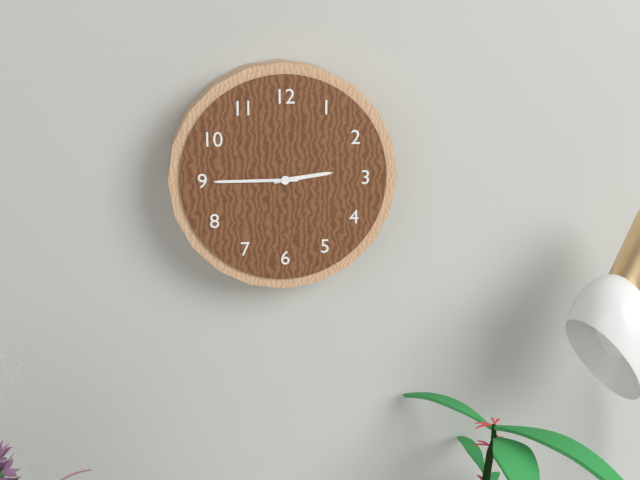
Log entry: h=2 m=45
